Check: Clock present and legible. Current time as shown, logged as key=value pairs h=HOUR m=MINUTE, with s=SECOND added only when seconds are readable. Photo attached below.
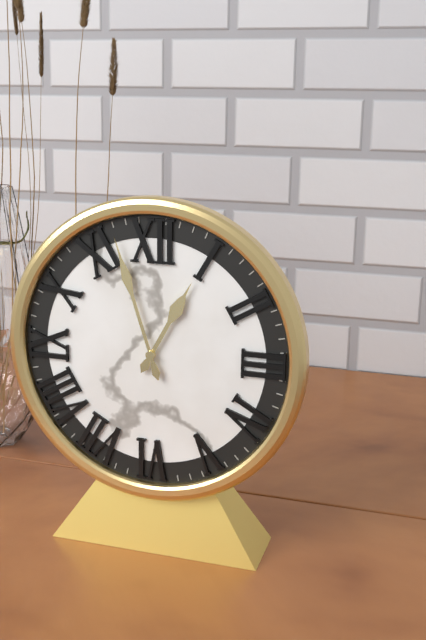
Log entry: h=12 m=57
